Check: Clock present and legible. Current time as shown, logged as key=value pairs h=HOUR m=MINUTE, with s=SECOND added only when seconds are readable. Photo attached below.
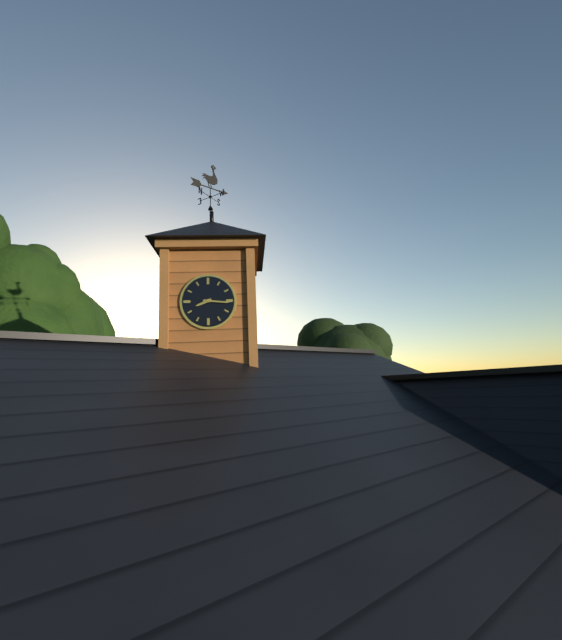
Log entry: h=8 m=16
